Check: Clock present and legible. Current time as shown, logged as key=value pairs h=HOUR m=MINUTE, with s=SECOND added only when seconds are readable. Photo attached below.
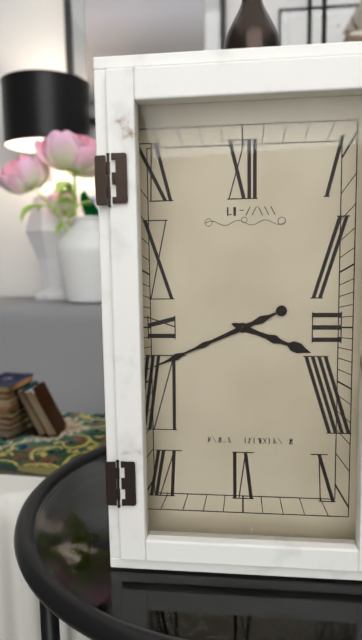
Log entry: h=3 m=41
